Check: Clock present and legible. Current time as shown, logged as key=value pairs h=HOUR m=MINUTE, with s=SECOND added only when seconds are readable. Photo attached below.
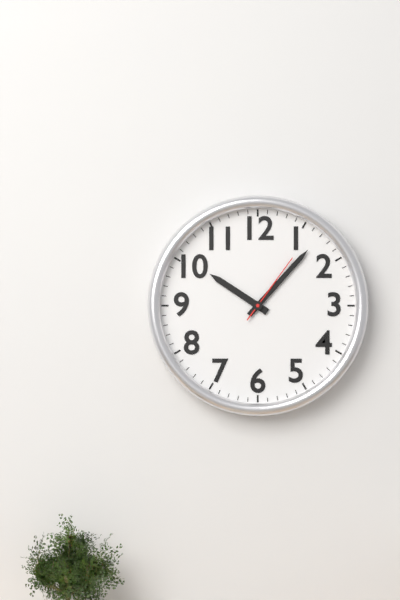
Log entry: h=10 m=7 s=6
